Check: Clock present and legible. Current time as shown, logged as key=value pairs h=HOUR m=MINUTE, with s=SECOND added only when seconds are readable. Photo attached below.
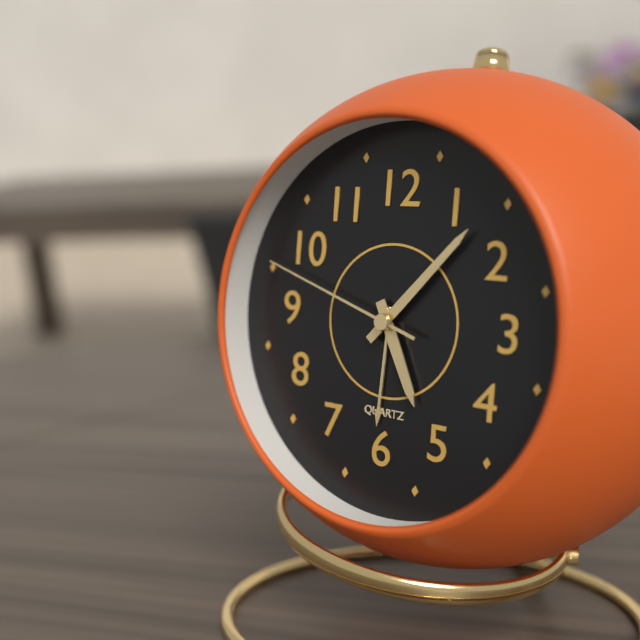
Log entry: h=5 m=7 s=48
